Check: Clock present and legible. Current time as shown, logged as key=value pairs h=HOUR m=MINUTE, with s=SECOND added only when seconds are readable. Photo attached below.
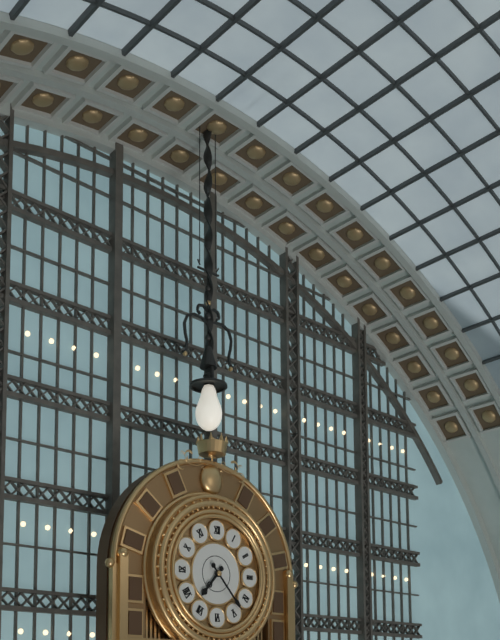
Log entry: h=7 m=23
